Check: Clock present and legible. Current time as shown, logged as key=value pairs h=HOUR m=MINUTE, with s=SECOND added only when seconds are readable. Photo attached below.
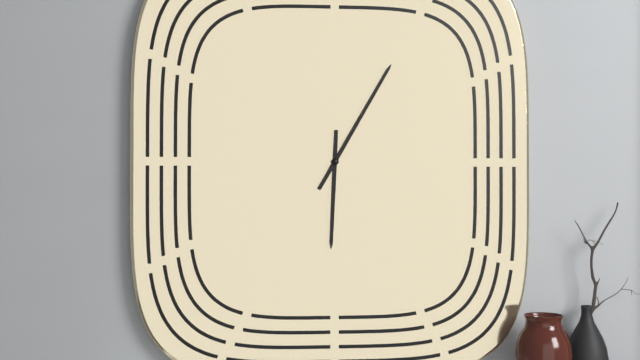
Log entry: h=6 m=5
